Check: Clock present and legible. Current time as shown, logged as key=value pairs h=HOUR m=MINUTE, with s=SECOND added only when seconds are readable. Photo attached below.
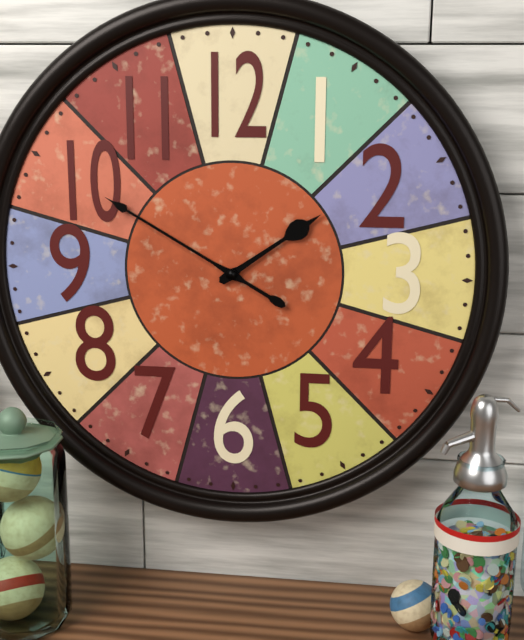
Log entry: h=1 m=50
